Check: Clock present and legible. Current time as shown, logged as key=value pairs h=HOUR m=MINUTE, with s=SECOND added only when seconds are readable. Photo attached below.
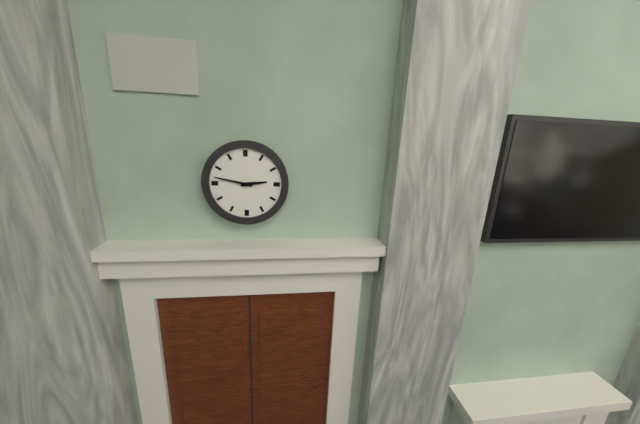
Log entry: h=2 m=47
